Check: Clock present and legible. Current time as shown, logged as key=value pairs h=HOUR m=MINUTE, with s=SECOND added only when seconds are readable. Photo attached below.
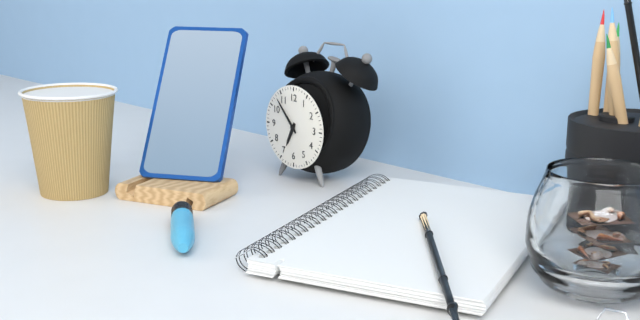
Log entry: h=6 m=53
